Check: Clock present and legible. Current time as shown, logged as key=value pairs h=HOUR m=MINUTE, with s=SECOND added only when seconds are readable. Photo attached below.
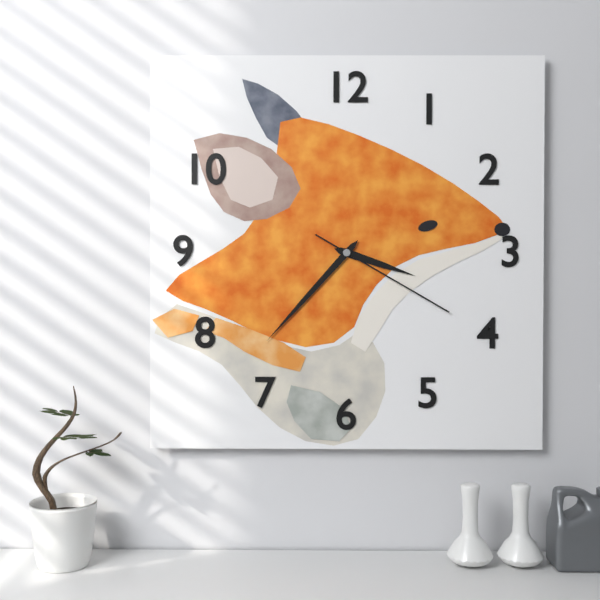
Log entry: h=3 m=37 s=20
